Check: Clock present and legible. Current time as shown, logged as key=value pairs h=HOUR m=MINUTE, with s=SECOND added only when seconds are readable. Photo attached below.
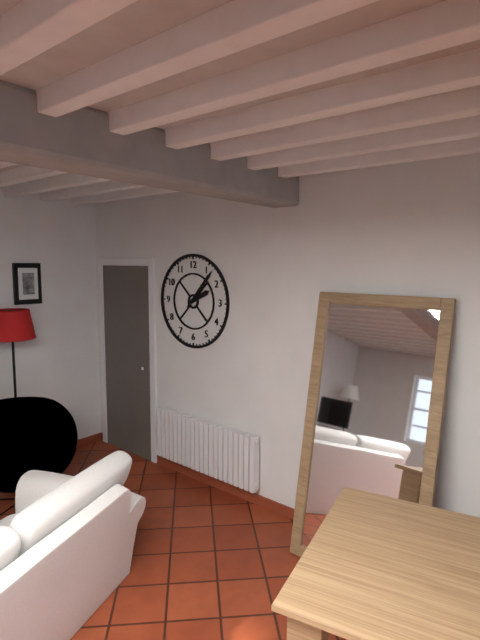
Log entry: h=2 m=7
